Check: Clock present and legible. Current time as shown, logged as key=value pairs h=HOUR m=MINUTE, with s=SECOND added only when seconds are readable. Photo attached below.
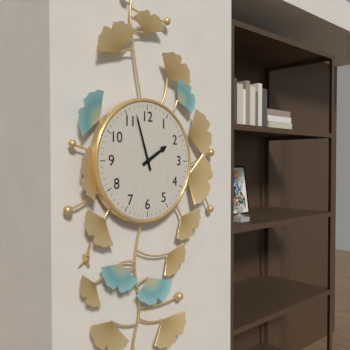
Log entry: h=1 m=57
